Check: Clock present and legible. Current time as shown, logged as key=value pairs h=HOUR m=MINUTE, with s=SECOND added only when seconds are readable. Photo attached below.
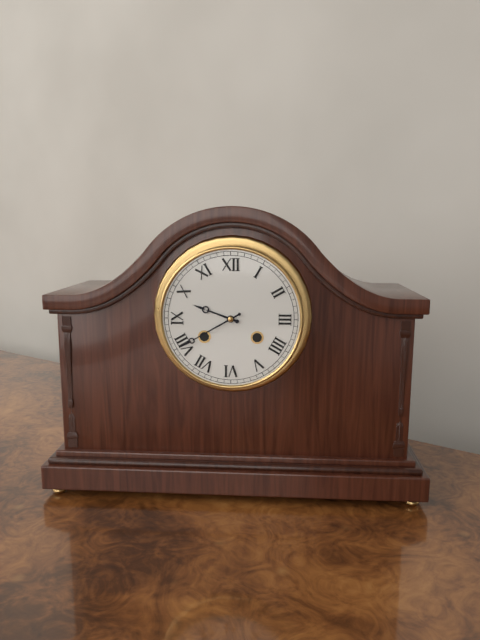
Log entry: h=9 m=40
